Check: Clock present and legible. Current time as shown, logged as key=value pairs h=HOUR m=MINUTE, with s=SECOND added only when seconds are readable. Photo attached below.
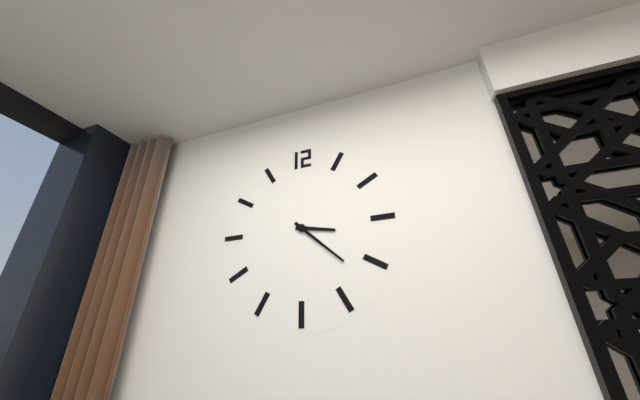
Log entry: h=3 m=22
